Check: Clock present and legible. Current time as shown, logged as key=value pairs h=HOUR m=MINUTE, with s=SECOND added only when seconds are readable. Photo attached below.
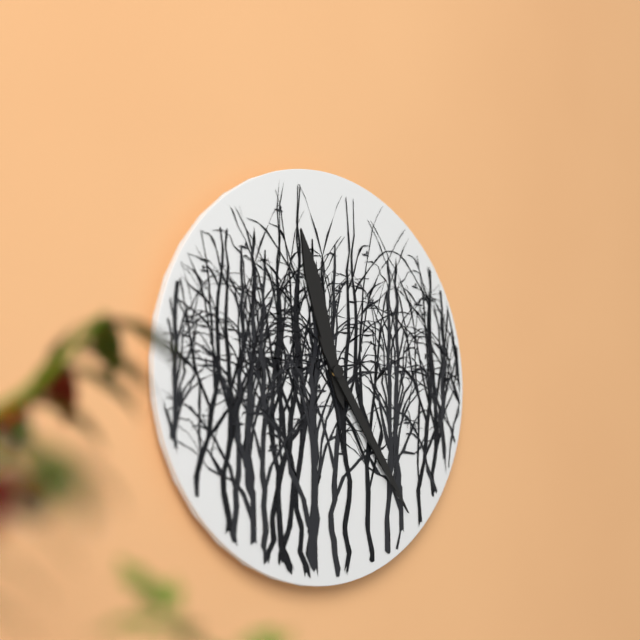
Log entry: h=11 m=24
